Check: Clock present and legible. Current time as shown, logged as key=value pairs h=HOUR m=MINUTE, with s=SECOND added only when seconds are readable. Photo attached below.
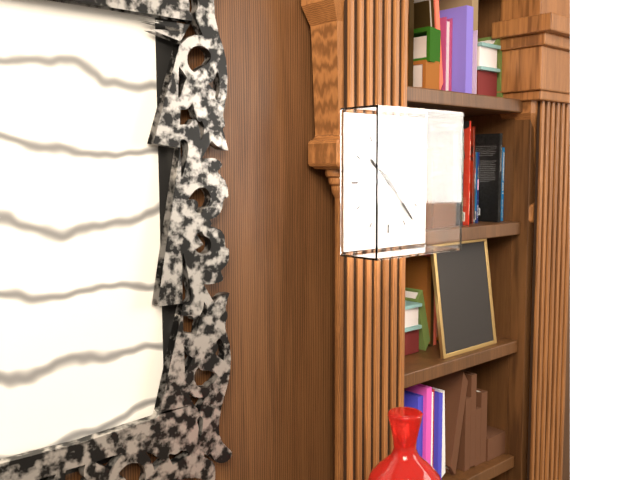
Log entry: h=10 m=23
